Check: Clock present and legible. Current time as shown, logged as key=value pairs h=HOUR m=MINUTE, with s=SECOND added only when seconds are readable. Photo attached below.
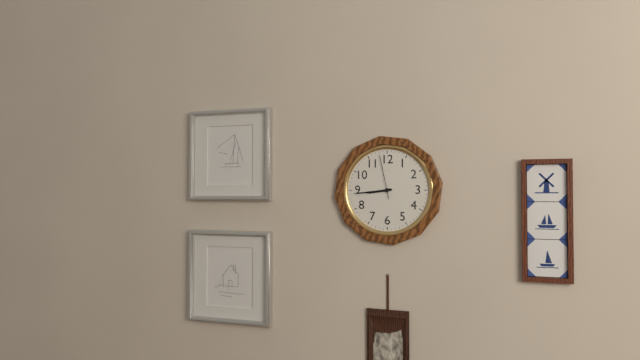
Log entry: h=8 m=44
